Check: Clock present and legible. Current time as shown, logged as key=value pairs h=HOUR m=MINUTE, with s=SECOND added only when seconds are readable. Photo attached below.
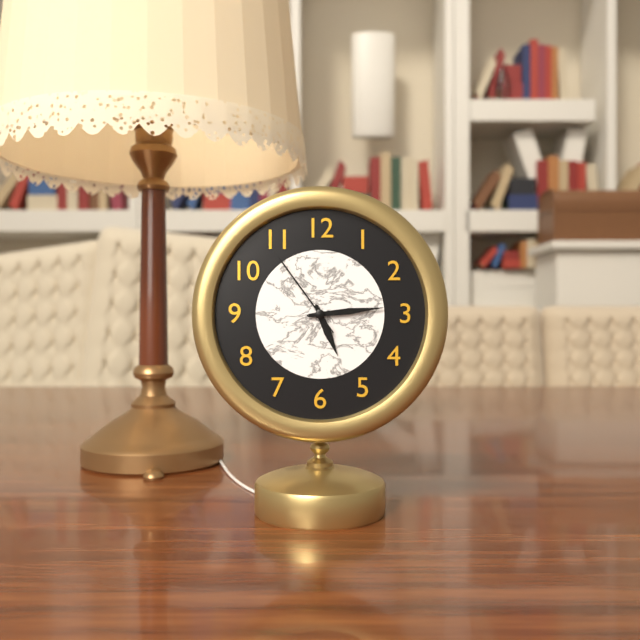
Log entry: h=5 m=14 s=54
